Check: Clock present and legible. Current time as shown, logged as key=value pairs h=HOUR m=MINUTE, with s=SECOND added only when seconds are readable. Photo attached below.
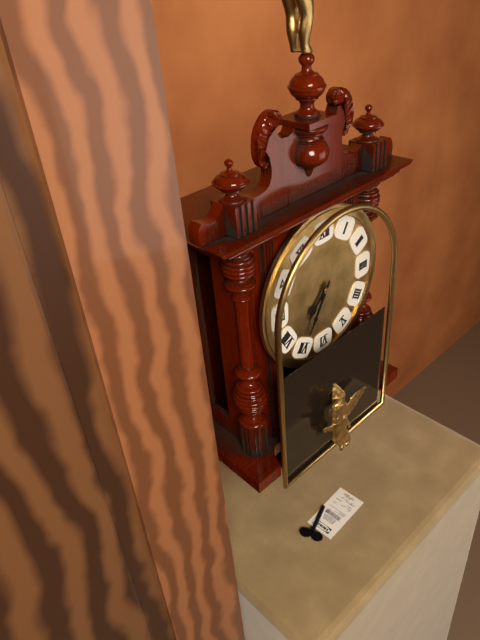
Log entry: h=7 m=35
